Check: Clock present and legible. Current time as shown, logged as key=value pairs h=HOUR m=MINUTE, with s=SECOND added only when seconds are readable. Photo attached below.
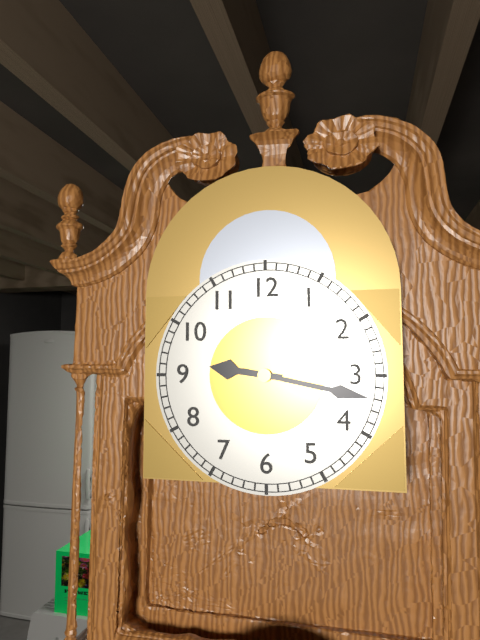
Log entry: h=9 m=17
